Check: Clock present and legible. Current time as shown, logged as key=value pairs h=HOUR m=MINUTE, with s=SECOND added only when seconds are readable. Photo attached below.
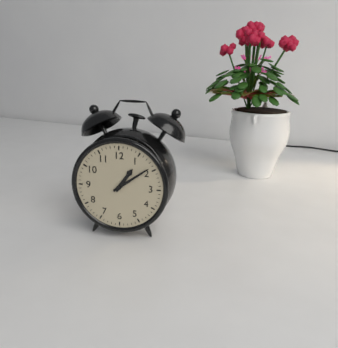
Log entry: h=1 m=9
